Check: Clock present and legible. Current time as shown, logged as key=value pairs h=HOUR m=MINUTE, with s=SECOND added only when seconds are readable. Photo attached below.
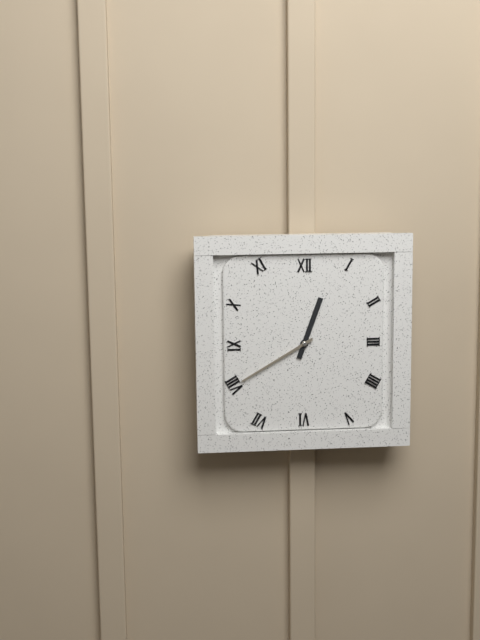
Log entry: h=12 m=40
